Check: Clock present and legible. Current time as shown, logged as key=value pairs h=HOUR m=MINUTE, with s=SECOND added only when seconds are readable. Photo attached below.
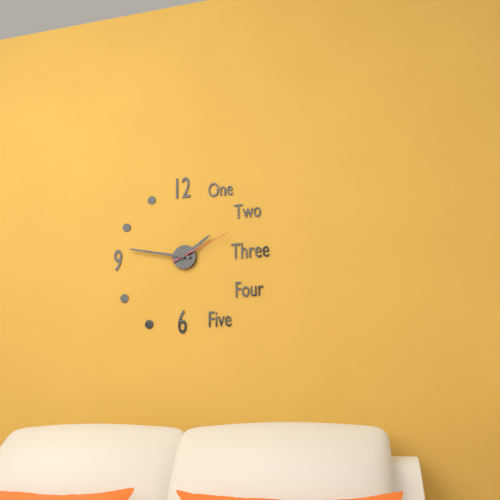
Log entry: h=1 m=47 s=11
